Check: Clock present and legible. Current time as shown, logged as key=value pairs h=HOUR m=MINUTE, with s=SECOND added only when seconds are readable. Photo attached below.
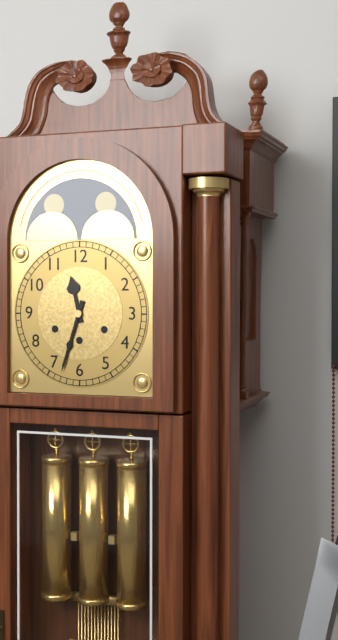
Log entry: h=11 m=33
